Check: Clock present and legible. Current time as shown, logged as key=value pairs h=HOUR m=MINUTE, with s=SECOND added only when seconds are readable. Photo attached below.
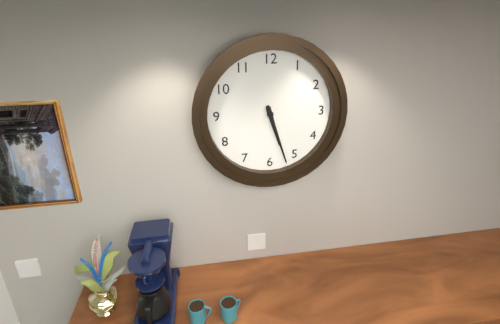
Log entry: h=5 m=27
